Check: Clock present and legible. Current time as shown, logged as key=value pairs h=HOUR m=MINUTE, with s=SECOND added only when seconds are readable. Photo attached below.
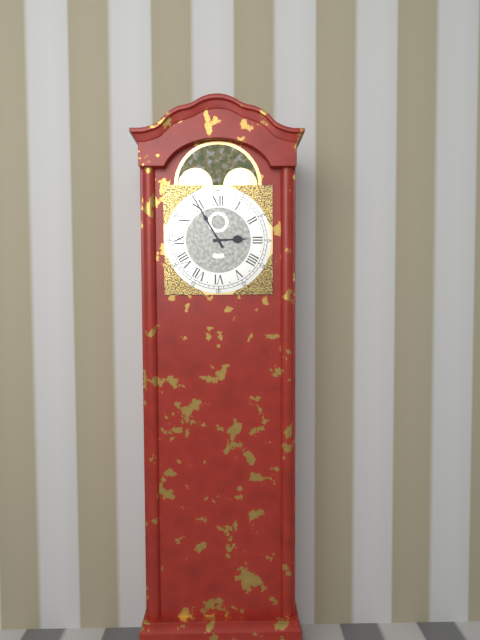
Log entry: h=2 m=55
